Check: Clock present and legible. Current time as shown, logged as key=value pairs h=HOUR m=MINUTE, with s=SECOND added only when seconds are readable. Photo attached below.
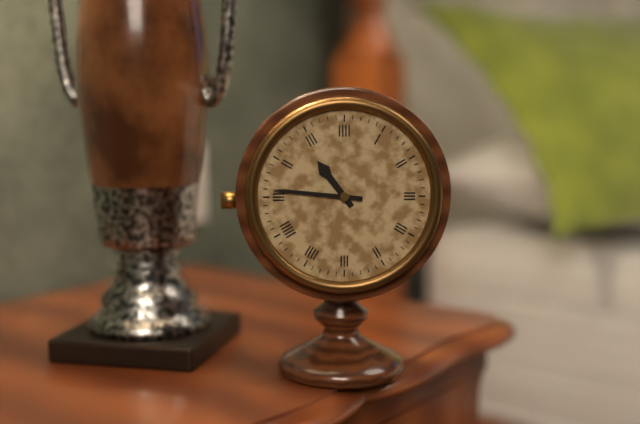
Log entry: h=10 m=46
